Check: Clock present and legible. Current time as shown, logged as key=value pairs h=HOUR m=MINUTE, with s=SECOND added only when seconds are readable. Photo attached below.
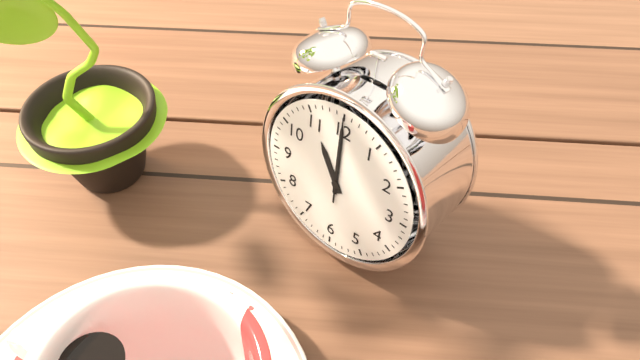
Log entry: h=11 m=0 s=0
